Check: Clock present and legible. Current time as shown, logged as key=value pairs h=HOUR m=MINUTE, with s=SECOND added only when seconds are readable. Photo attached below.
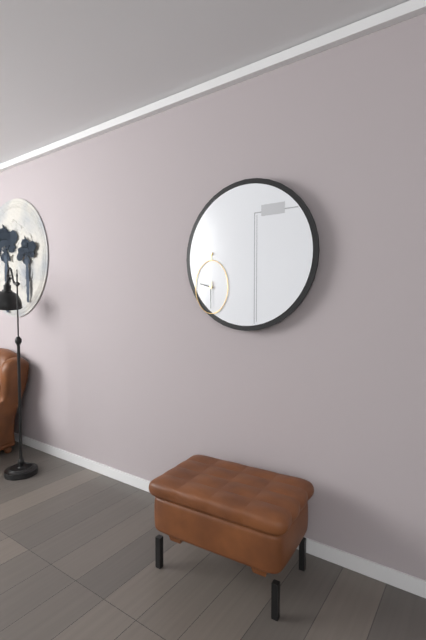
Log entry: h=9 m=30
